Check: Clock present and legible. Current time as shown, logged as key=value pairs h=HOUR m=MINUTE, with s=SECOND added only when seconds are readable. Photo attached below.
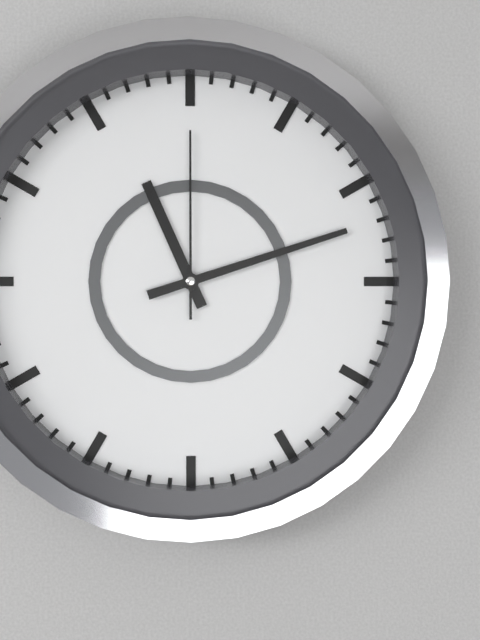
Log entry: h=11 m=12 s=0
